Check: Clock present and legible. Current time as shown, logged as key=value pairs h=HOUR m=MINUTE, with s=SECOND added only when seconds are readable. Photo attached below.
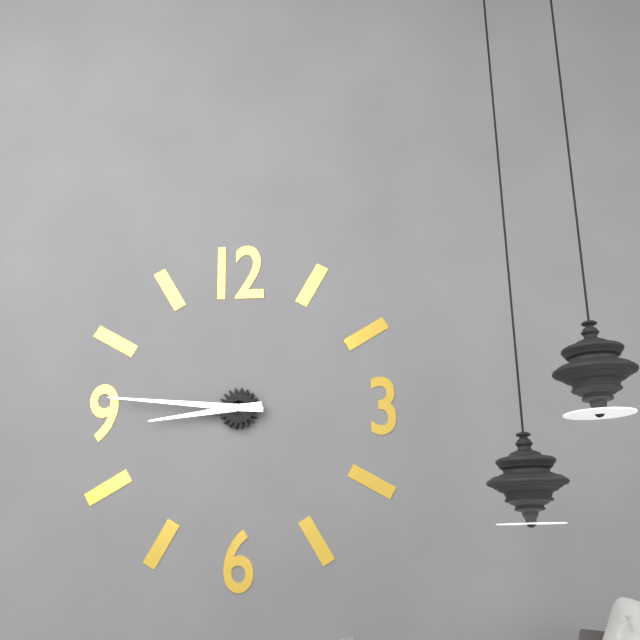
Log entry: h=8 m=46
